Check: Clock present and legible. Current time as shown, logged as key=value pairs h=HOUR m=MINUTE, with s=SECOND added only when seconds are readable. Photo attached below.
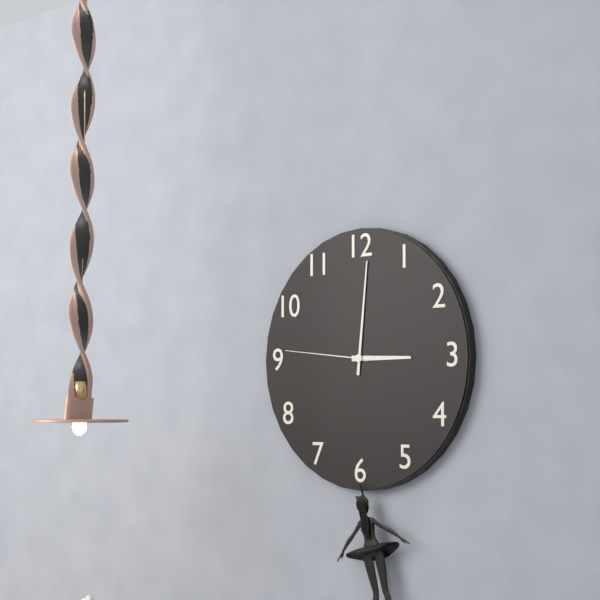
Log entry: h=3 m=1 s=46
